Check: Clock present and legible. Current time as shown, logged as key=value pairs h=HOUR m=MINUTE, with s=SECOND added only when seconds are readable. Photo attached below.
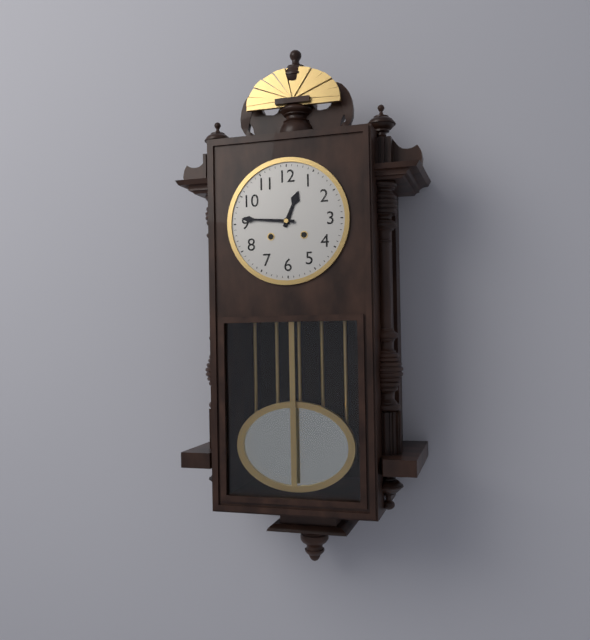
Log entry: h=12 m=46
